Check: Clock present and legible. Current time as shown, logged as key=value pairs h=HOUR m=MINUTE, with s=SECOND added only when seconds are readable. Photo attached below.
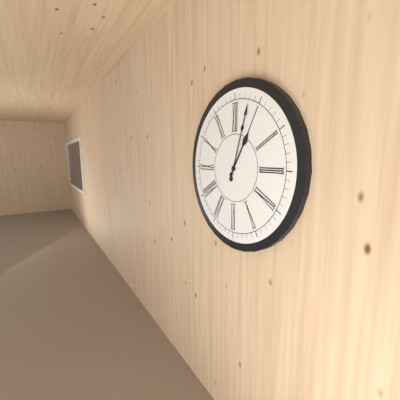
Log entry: h=1 m=3
